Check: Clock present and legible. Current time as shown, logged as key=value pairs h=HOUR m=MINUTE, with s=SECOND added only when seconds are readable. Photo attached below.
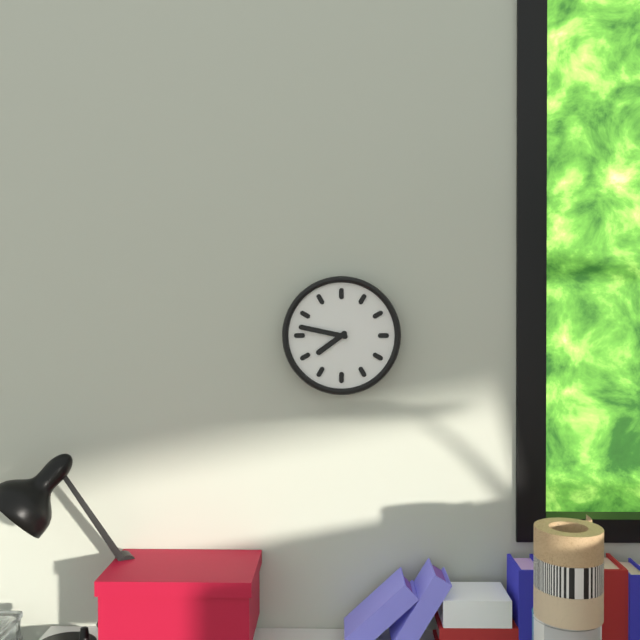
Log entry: h=7 m=47
